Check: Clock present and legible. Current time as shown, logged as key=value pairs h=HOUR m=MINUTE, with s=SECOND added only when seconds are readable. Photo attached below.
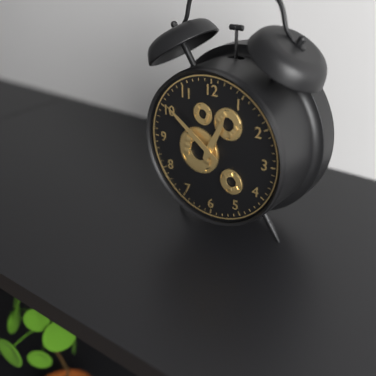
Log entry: h=12 m=51
